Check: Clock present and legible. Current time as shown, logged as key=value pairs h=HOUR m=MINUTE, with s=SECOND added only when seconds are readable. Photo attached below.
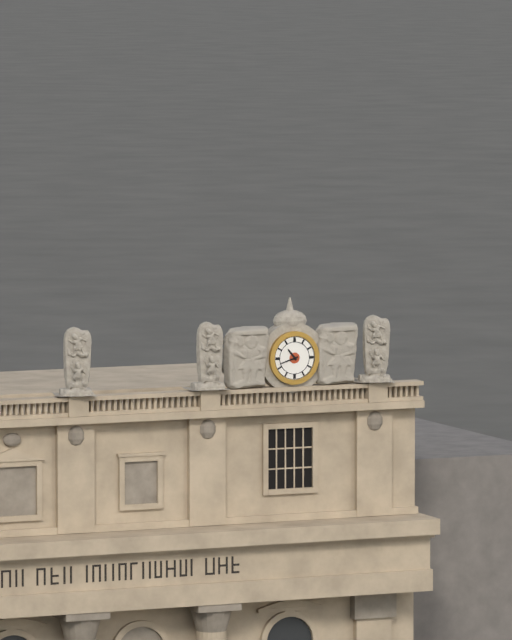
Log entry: h=10 m=42
